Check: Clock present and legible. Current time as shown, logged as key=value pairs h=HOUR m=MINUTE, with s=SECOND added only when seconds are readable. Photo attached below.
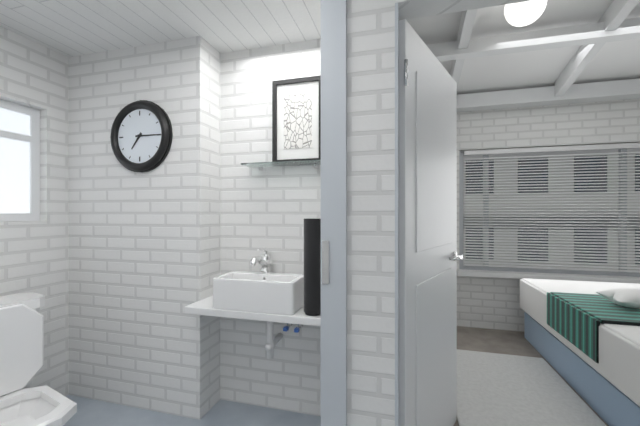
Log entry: h=7 m=15
